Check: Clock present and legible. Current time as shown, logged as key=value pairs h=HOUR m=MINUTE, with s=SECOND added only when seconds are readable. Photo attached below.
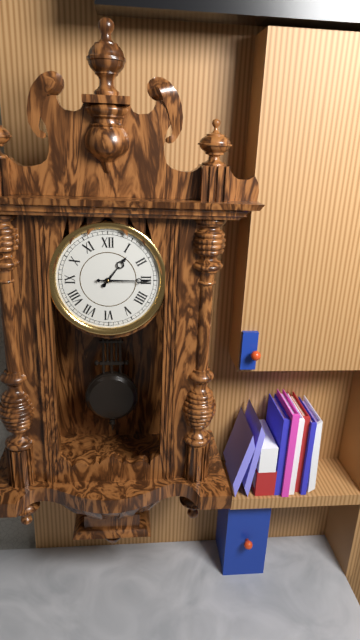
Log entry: h=1 m=15
